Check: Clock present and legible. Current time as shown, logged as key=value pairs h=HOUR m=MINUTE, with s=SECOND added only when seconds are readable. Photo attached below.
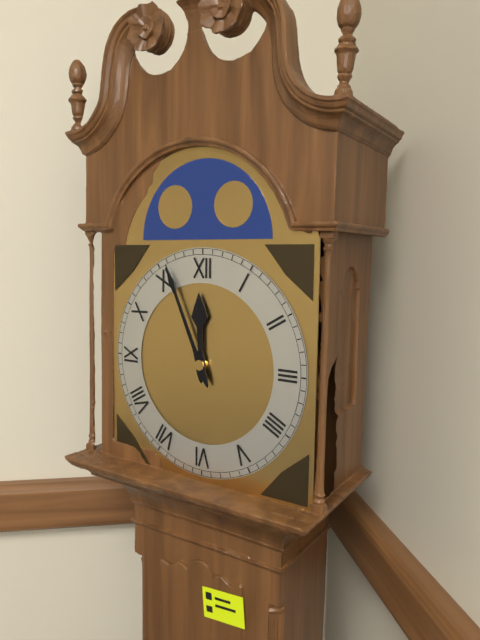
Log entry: h=11 m=56
